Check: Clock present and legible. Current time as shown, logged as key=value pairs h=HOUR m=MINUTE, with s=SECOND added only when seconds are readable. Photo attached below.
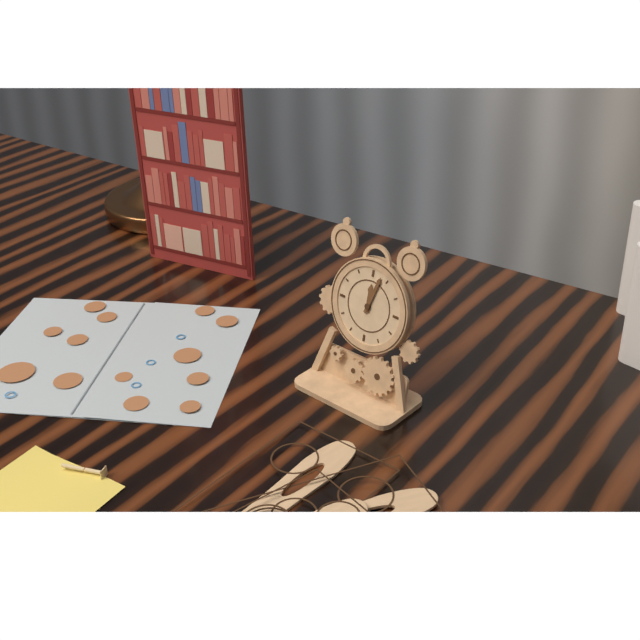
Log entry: h=12 m=3
